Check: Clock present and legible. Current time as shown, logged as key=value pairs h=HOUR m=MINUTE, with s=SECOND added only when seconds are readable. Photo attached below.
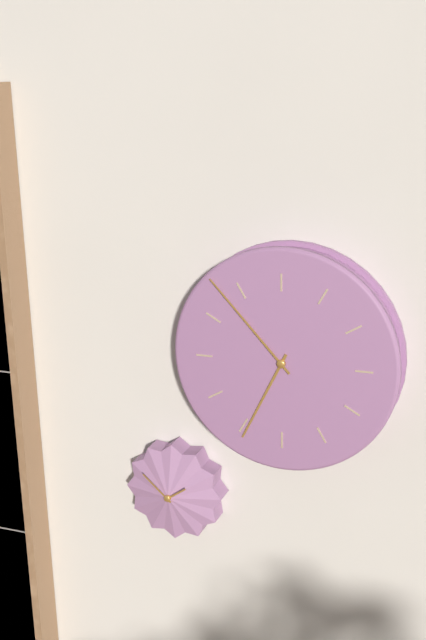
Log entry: h=6 m=53
